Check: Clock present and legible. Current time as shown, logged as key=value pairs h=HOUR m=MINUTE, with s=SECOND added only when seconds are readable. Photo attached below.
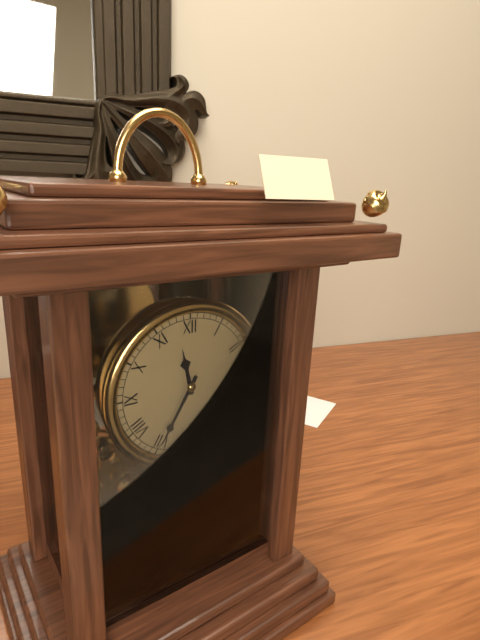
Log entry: h=11 m=35
